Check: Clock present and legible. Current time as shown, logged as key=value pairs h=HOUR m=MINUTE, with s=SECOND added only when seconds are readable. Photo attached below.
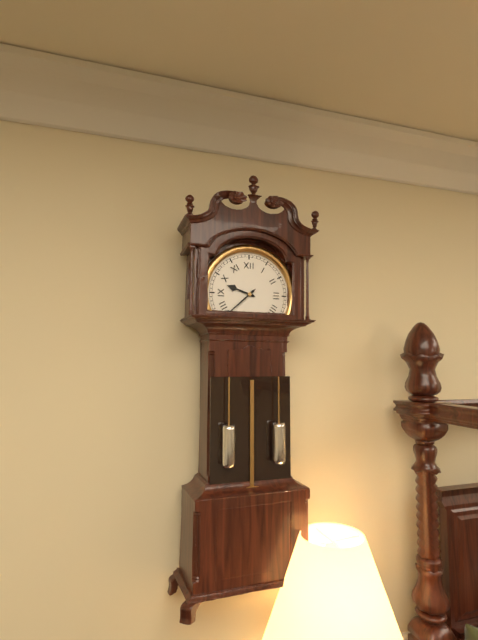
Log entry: h=9 m=38
